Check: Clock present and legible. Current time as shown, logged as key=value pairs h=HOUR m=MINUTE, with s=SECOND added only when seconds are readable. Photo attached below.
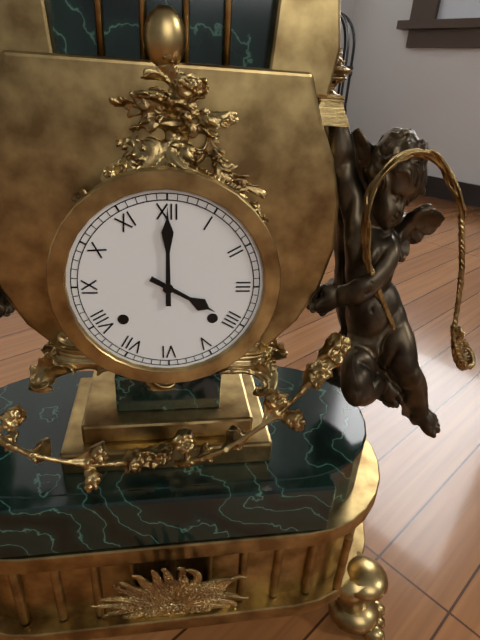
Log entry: h=4 m=0
